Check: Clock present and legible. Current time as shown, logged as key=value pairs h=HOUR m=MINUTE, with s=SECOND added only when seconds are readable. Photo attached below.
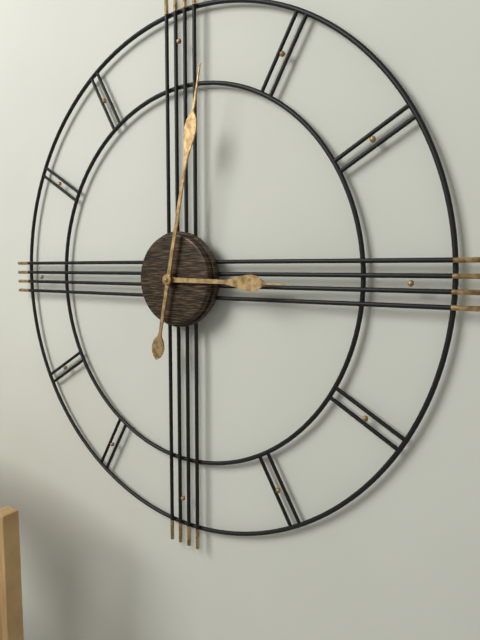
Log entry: h=3 m=2
